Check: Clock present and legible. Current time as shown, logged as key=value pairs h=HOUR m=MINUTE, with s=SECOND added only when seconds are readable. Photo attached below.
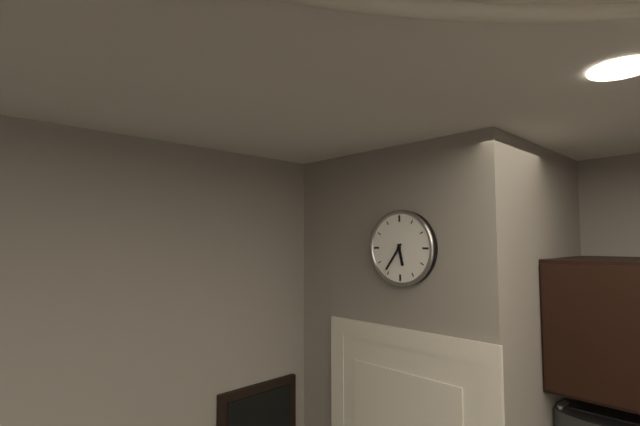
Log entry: h=5 m=36
